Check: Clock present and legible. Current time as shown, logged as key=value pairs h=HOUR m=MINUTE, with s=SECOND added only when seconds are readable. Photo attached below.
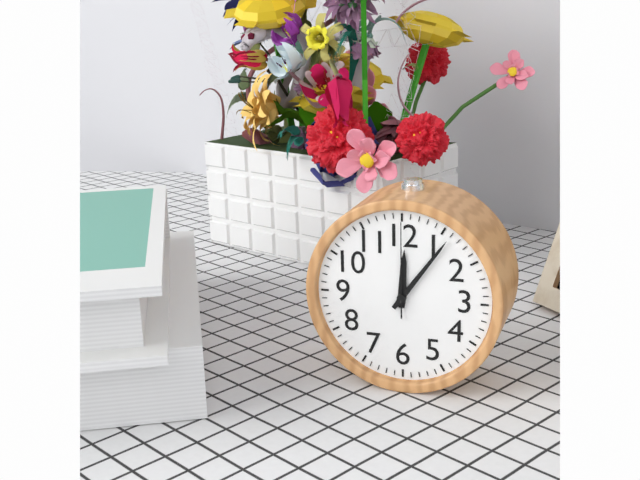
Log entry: h=12 m=6 s=0
